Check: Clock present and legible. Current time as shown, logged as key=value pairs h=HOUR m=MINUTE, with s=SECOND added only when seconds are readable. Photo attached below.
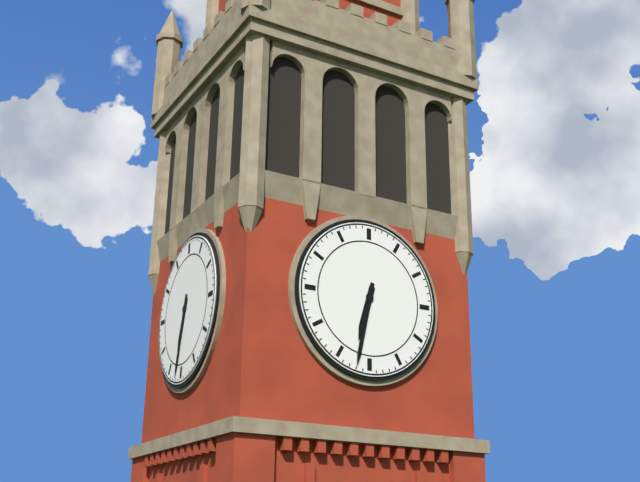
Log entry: h=6 m=32
